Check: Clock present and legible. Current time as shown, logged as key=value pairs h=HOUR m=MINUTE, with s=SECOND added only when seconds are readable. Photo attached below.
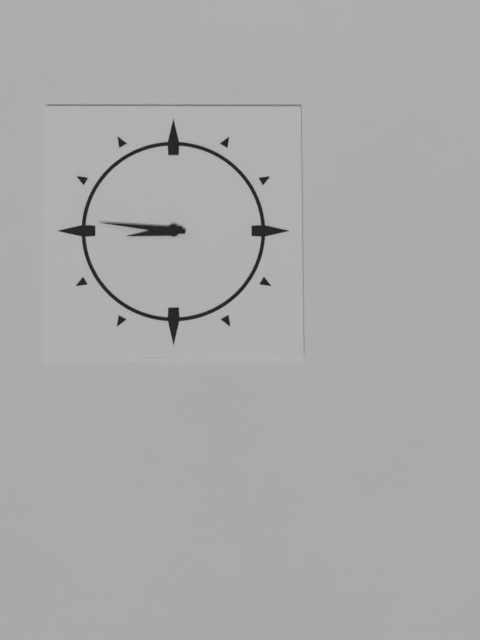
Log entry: h=8 m=46
